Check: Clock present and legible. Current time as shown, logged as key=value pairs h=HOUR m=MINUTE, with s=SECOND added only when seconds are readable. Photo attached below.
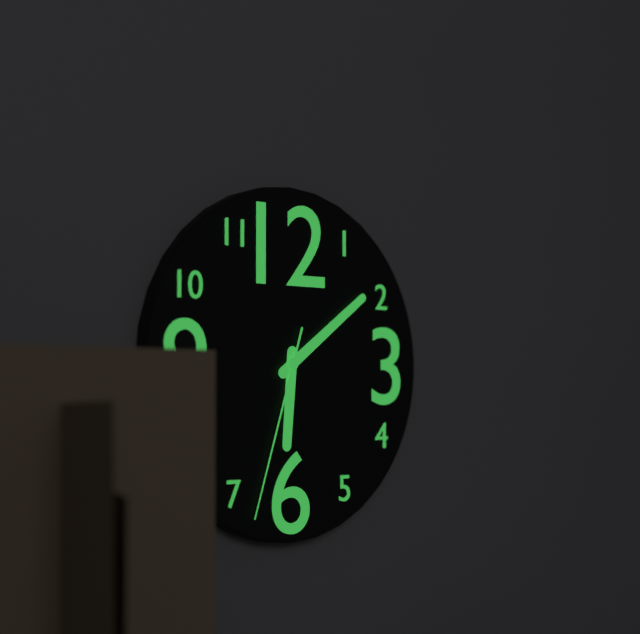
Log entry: h=6 m=9 s=33
